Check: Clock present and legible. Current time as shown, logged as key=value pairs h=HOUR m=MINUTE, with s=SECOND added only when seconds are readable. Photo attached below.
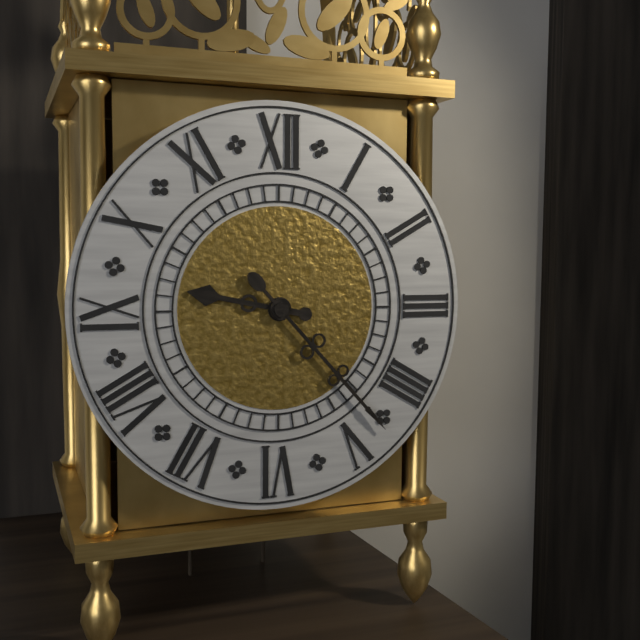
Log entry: h=9 m=23
